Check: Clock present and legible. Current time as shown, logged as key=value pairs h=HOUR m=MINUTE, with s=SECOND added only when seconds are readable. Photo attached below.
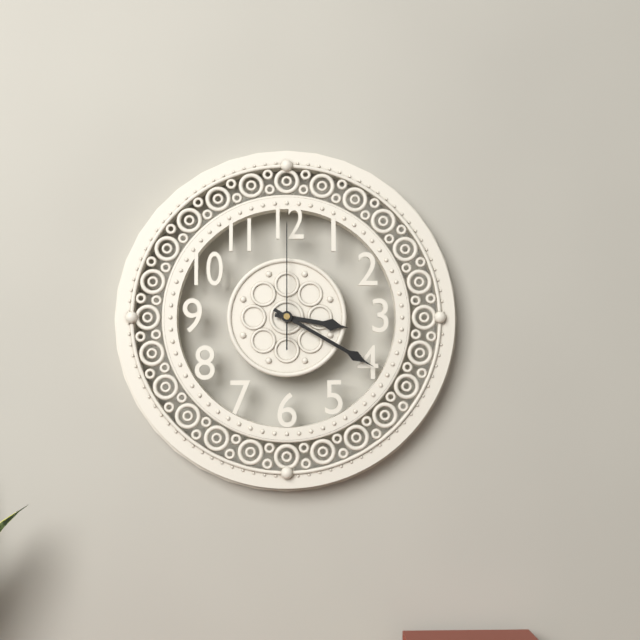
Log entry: h=3 m=20 s=0
